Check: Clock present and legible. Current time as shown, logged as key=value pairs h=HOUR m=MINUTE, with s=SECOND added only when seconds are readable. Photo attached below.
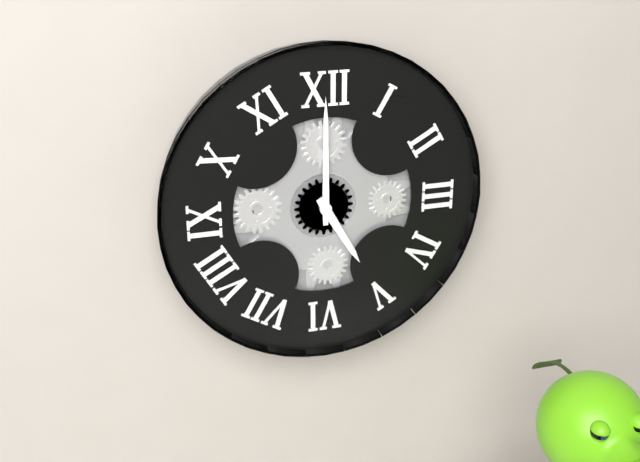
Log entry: h=5 m=0
